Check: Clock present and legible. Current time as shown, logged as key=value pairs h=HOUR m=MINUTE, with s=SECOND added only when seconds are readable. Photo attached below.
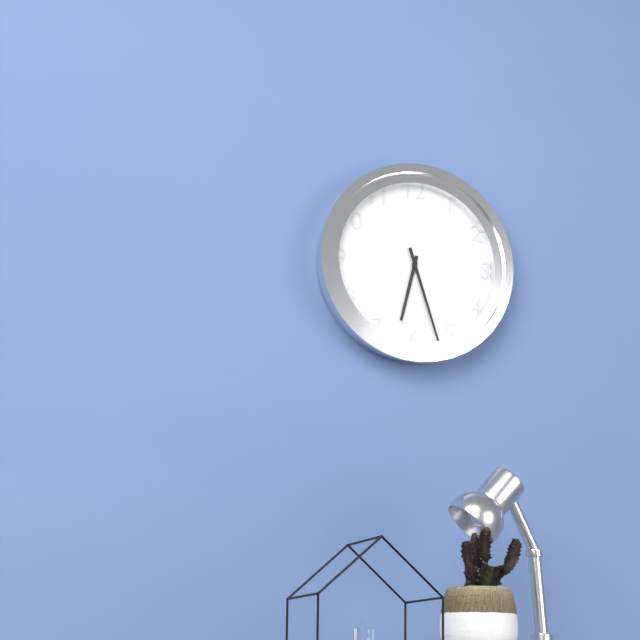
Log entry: h=6 m=27
